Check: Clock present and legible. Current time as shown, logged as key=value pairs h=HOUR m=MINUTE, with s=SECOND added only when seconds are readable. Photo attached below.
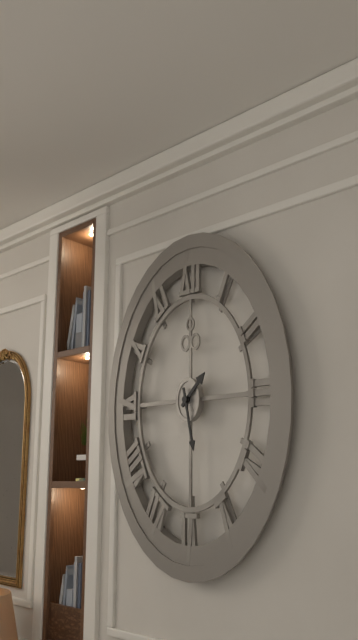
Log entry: h=1 m=28
